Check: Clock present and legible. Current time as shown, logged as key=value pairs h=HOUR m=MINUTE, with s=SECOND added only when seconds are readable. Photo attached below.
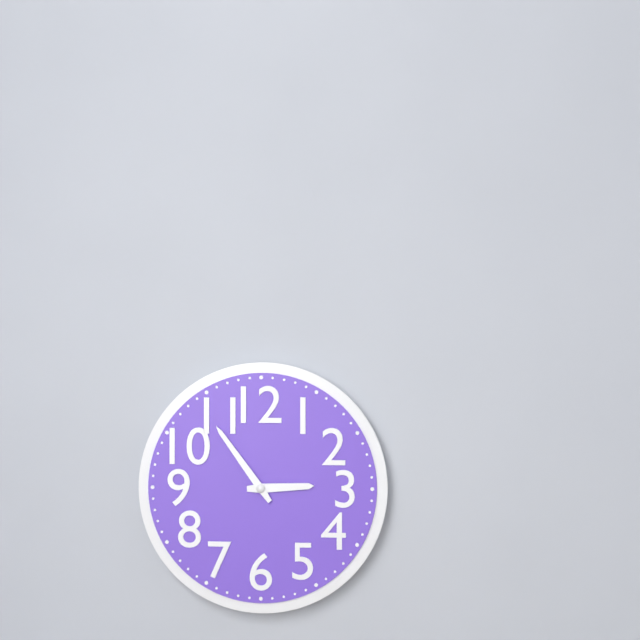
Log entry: h=2 m=54
